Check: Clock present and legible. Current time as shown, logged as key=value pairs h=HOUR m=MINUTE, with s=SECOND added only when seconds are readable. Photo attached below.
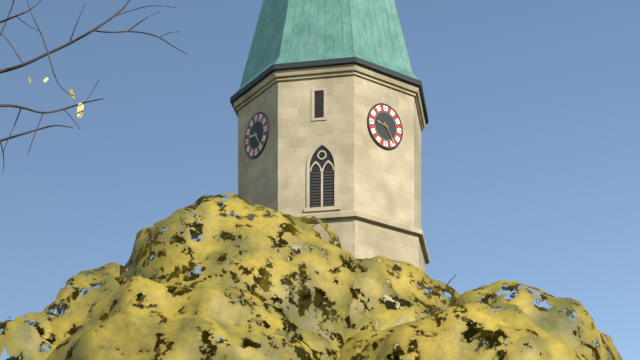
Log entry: h=9 m=24
